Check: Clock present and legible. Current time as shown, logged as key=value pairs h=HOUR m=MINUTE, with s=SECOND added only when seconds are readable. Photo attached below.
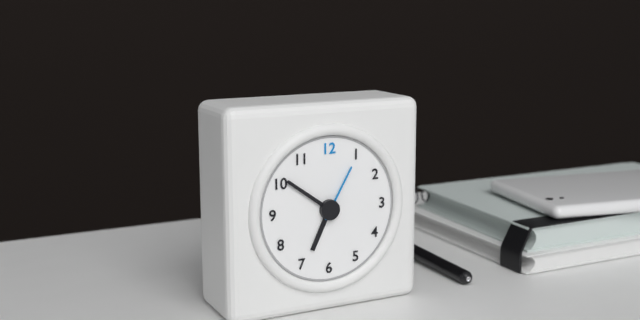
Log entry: h=6 m=51 s=5
